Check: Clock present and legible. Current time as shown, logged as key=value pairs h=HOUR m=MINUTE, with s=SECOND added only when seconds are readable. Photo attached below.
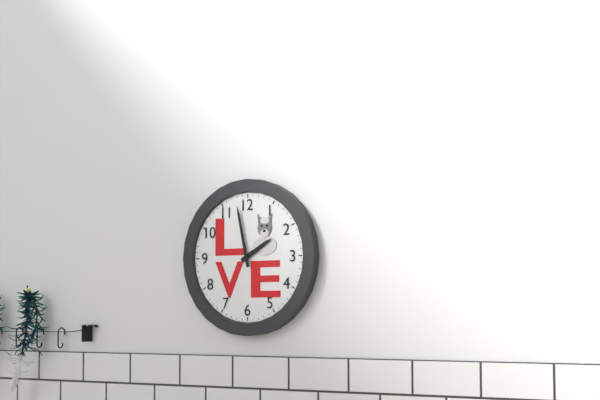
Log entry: h=1 m=58
